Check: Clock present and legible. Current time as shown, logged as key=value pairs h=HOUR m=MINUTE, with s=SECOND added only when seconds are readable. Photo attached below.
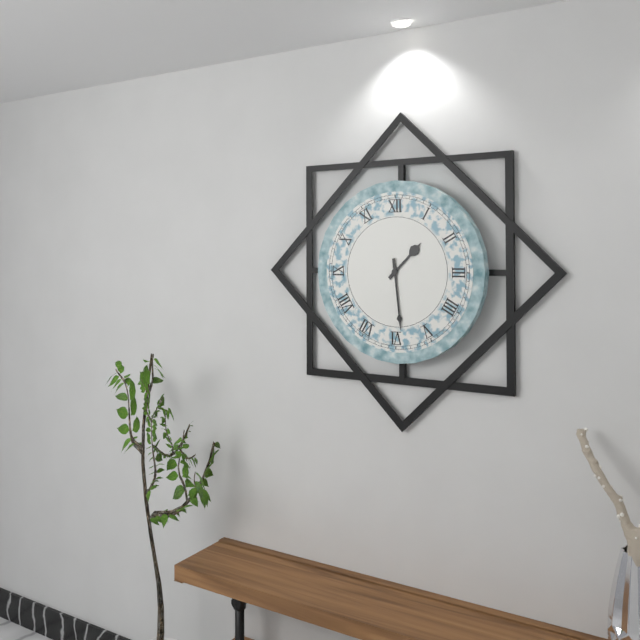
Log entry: h=1 m=29
